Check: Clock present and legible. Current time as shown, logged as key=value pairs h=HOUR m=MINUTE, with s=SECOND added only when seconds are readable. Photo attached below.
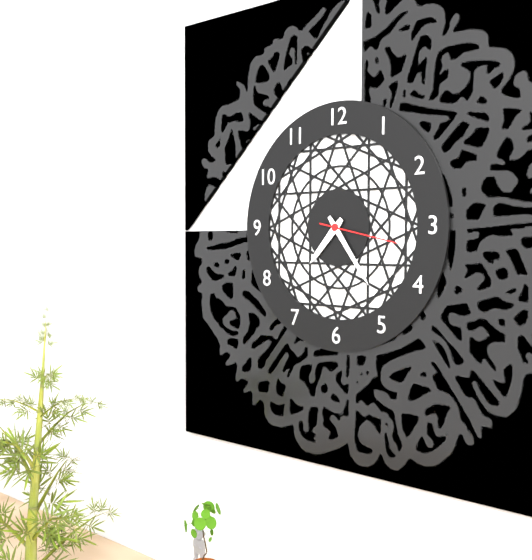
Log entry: h=7 m=24 s=17
